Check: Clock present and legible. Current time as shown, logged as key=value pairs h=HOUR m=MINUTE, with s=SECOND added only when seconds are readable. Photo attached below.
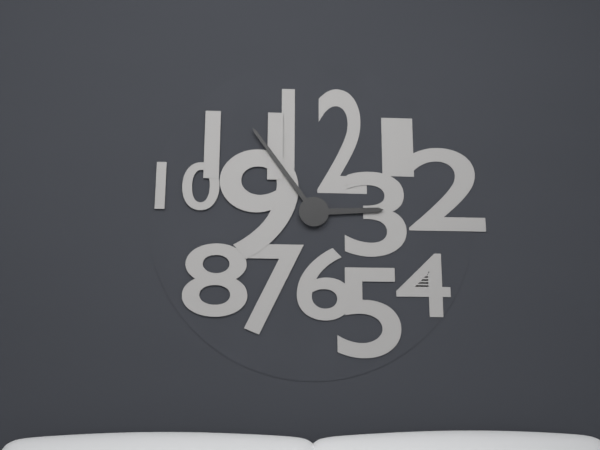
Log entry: h=2 m=54
